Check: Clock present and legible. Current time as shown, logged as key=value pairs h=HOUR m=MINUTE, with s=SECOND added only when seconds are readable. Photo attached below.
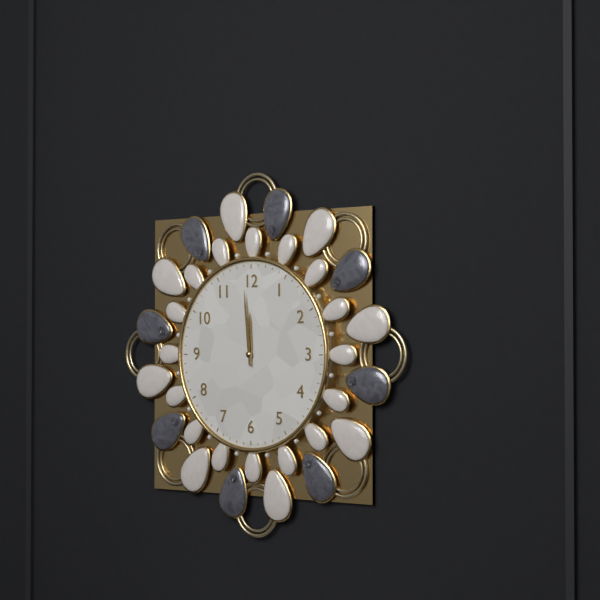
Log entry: h=11 m=59
